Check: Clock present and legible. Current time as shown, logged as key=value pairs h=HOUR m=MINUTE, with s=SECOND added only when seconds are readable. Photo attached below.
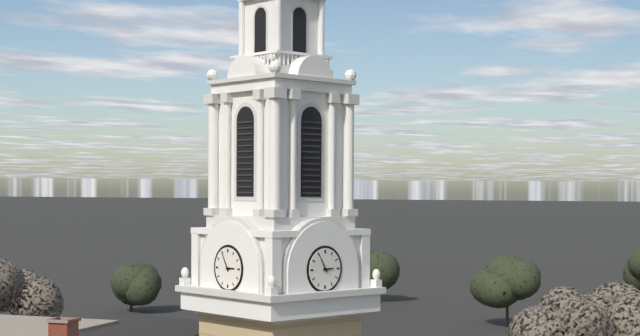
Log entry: h=2 m=55
